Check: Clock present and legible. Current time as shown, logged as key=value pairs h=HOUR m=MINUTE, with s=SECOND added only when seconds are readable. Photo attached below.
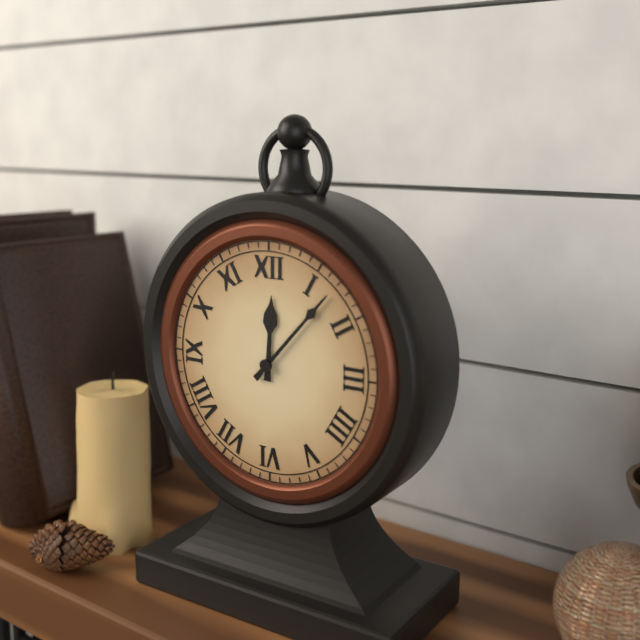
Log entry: h=12 m=7
